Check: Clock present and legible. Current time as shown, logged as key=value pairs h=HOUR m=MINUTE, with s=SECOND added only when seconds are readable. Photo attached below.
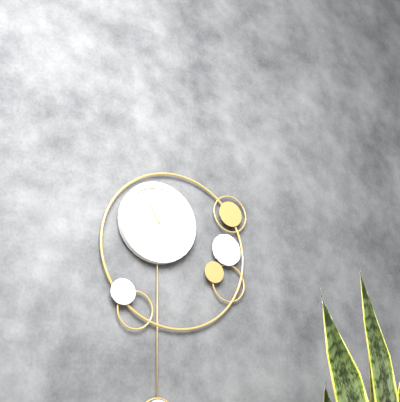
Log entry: h=10 m=55
